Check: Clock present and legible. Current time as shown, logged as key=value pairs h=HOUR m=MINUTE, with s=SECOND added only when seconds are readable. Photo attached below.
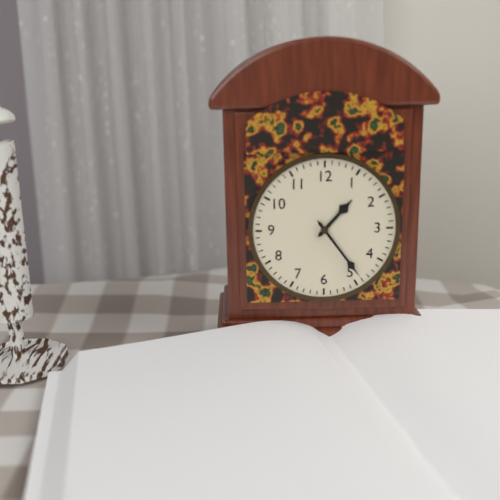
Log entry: h=1 m=24
